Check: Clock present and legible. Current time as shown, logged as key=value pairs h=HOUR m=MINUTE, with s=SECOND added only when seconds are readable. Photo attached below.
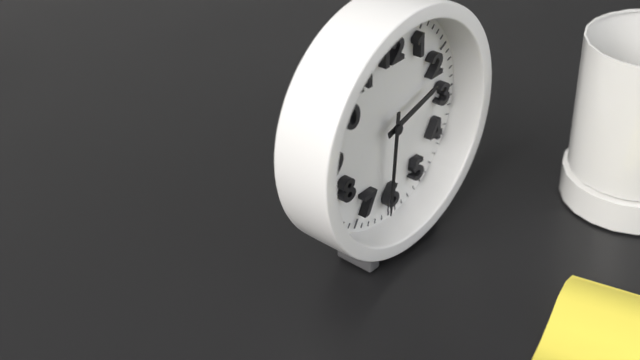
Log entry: h=2 m=31
